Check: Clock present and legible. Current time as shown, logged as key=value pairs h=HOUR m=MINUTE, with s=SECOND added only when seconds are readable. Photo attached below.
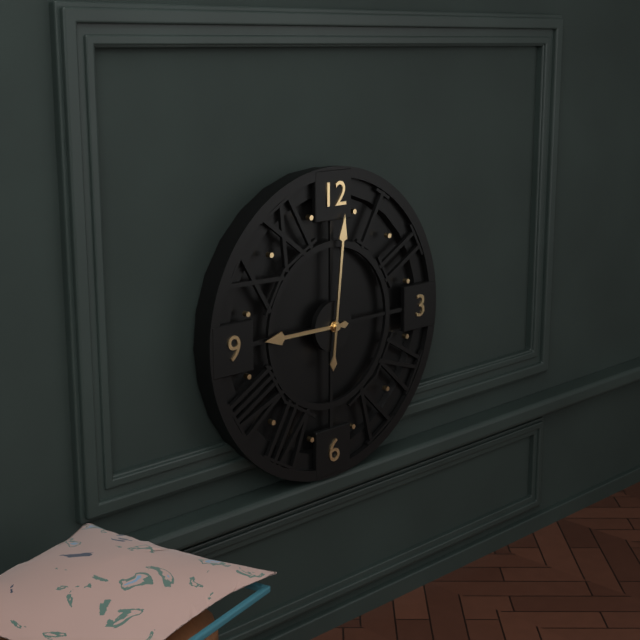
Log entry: h=9 m=1
